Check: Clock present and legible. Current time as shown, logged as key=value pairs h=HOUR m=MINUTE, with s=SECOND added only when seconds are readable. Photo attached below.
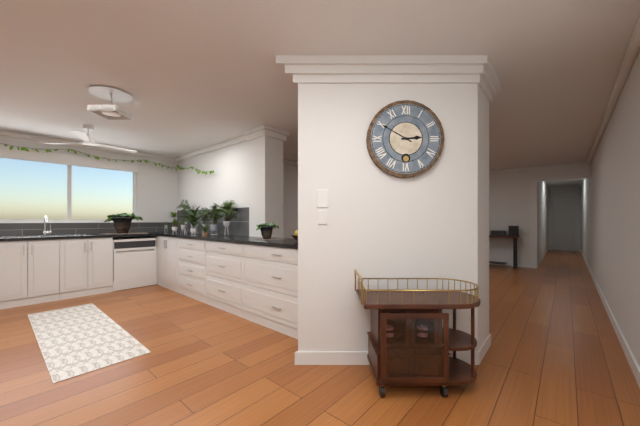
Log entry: h=2 m=50
